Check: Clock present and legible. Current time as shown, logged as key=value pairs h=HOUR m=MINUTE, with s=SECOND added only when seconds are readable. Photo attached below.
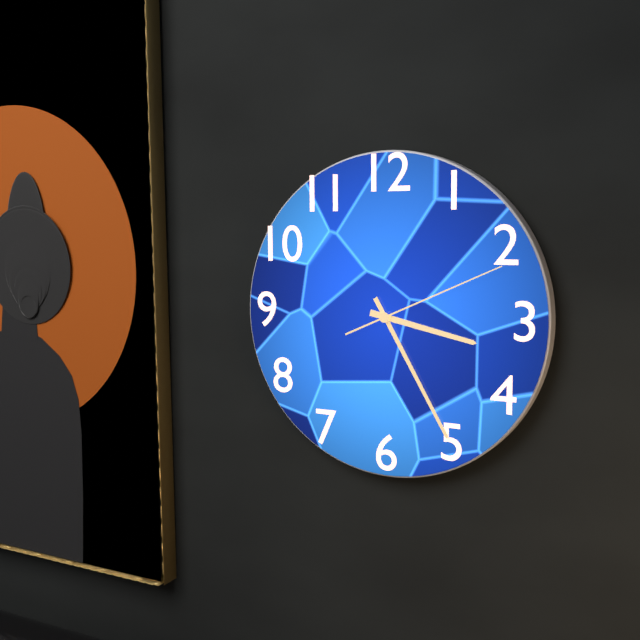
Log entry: h=3 m=25 s=11
